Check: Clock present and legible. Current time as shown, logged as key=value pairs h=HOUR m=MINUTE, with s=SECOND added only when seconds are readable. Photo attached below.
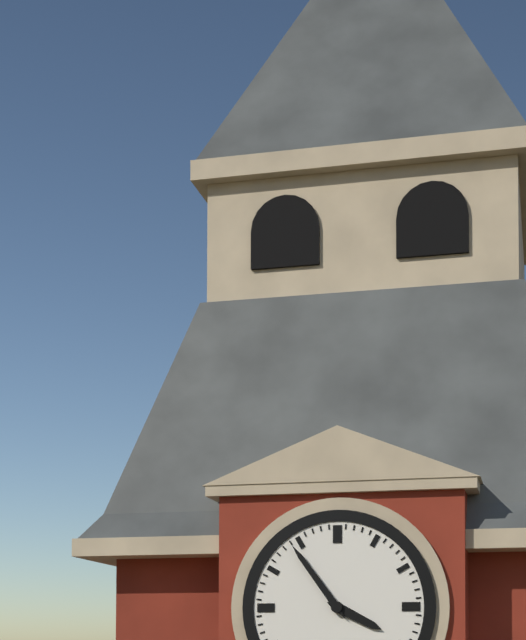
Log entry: h=3 m=54
